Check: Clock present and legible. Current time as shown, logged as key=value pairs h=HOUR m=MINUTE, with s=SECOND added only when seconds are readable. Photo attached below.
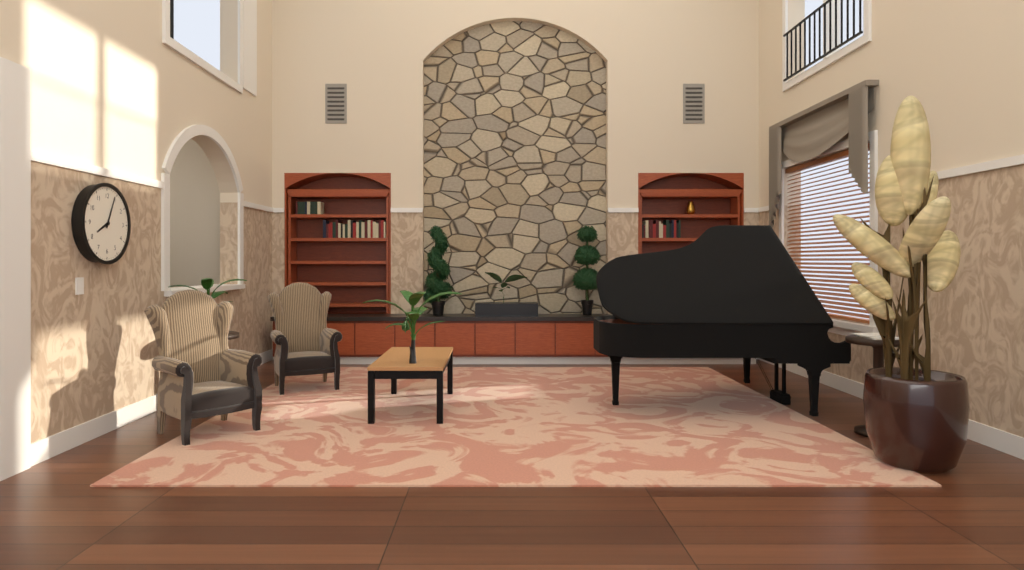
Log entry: h=8 m=4
